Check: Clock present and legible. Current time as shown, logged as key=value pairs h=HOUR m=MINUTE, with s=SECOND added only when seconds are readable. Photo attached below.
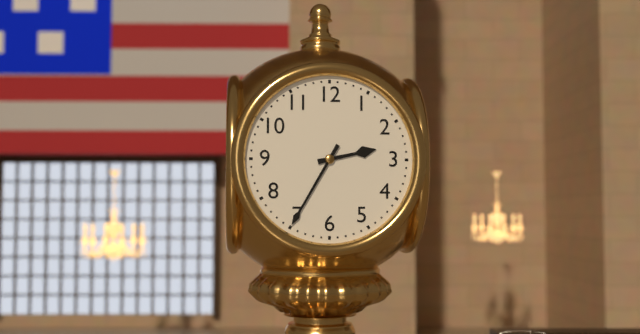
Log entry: h=2 m=35
